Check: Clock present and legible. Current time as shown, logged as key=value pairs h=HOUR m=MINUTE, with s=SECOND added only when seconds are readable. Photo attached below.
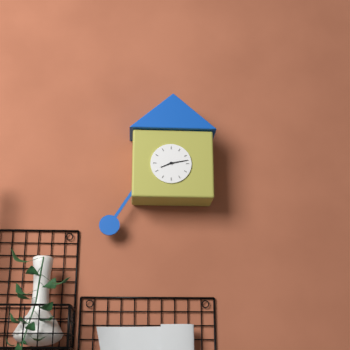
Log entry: h=8 m=13
